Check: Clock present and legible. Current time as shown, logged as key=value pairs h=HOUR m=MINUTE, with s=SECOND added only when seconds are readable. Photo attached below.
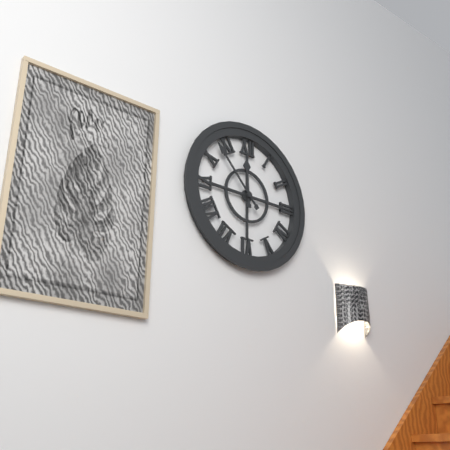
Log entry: h=11 m=53
